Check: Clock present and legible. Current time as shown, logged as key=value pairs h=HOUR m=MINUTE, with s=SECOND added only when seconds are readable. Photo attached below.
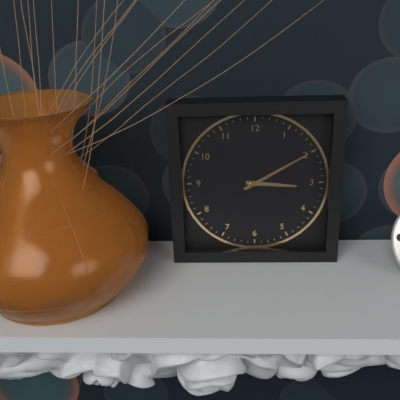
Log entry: h=3 m=10
